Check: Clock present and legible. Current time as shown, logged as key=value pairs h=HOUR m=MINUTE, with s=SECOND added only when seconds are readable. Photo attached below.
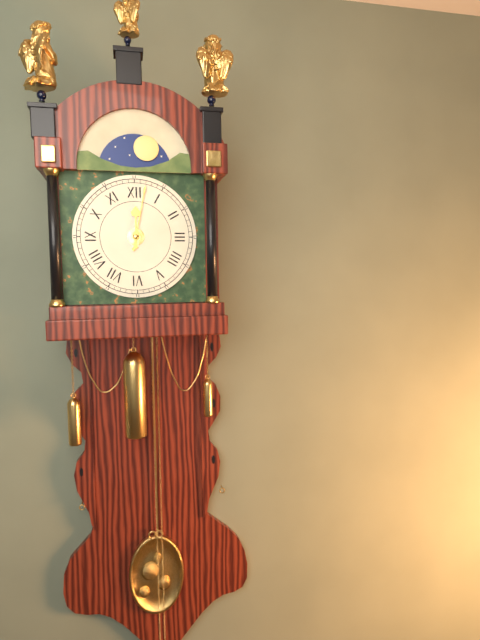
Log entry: h=12 m=2
